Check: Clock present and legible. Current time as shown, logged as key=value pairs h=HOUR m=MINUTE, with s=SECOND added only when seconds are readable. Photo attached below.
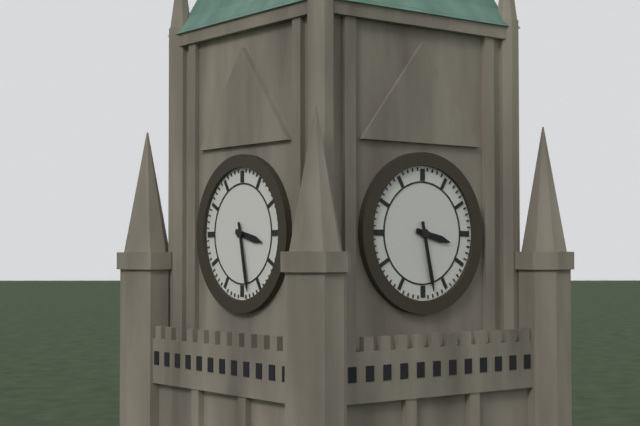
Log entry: h=3 m=28
